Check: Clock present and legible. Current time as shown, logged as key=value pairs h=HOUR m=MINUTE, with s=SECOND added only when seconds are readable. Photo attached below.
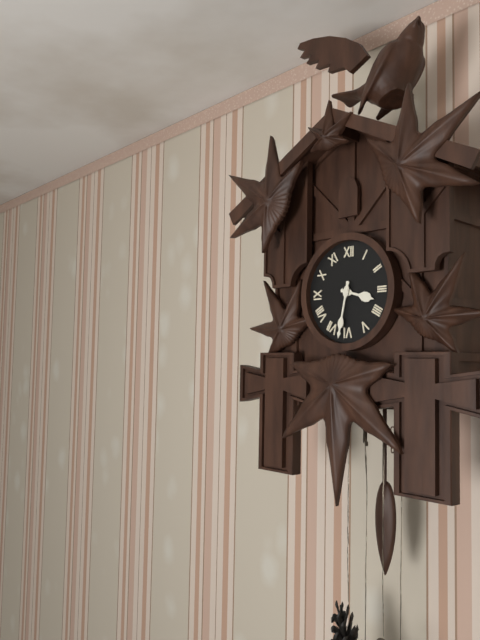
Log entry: h=3 m=32
